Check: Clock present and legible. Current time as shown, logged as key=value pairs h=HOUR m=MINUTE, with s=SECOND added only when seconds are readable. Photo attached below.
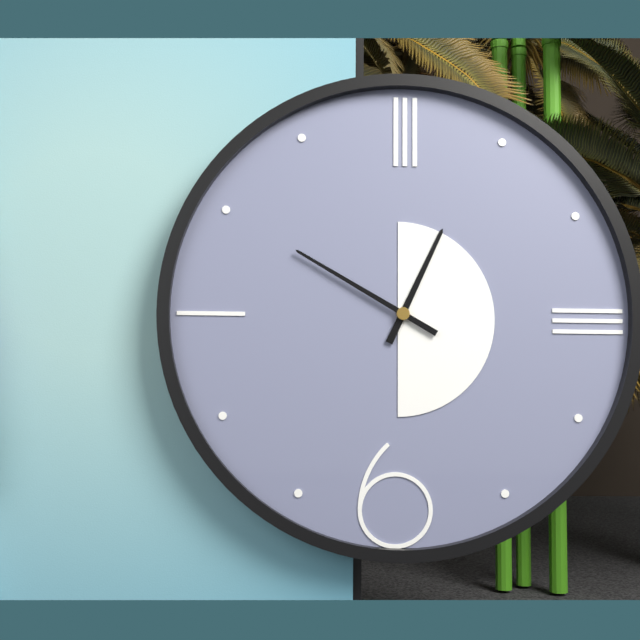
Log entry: h=12 m=50
